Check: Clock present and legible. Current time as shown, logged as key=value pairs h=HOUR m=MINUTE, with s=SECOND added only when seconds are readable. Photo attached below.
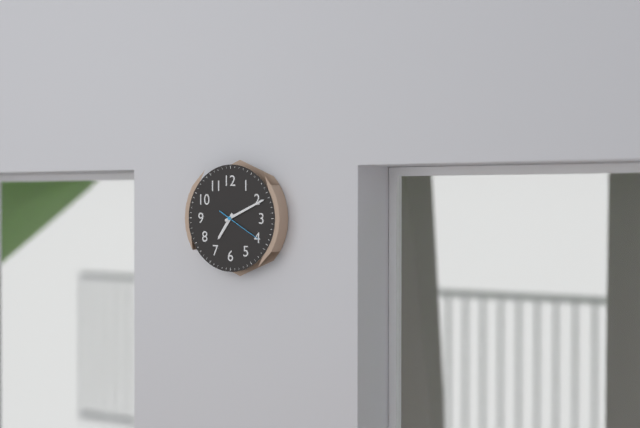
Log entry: h=7 m=11
